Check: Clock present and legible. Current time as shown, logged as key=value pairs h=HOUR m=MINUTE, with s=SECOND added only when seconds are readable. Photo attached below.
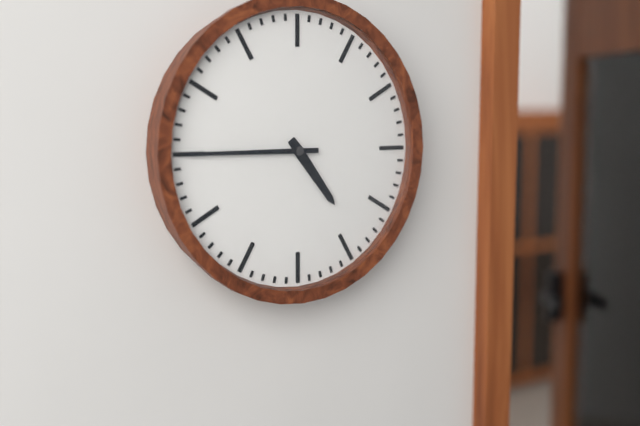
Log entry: h=4 m=45
